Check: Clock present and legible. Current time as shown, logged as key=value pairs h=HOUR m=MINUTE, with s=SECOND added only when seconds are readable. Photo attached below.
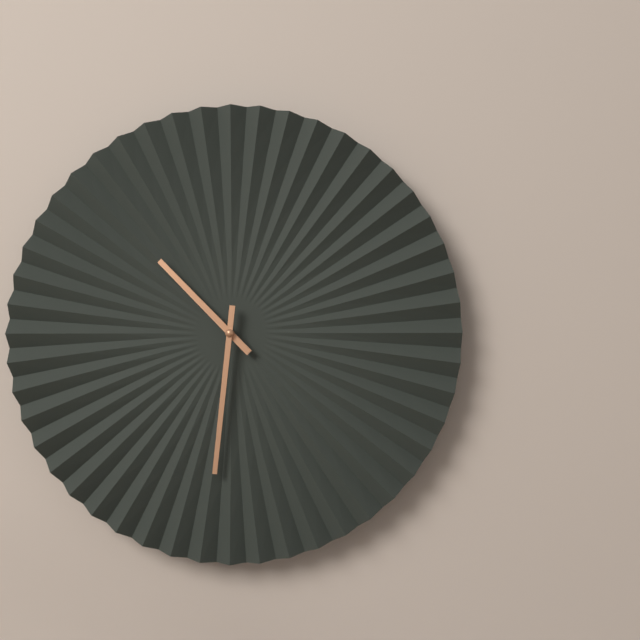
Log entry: h=10 m=31
